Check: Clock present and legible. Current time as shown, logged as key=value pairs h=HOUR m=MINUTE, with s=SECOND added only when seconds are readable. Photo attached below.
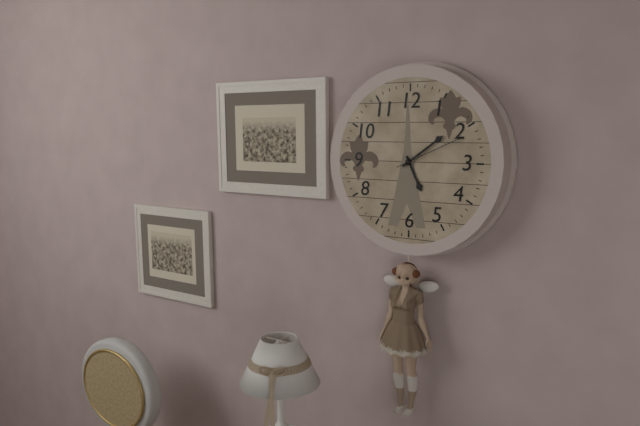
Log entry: h=5 m=9 s=11
